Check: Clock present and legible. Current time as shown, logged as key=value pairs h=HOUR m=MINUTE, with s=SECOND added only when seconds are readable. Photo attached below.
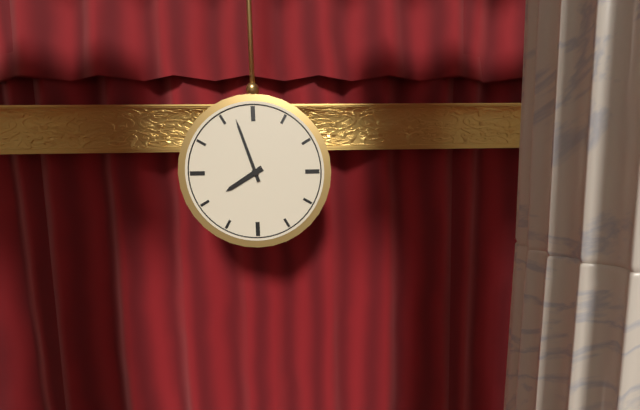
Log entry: h=7 m=57
